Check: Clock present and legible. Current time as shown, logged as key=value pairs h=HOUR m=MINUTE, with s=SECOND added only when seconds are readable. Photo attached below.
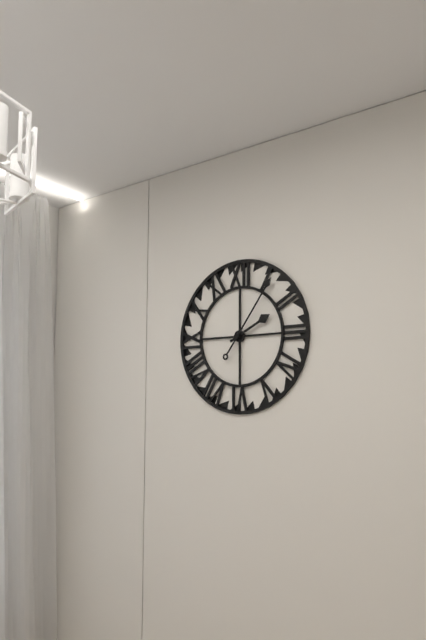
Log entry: h=2 m=6
